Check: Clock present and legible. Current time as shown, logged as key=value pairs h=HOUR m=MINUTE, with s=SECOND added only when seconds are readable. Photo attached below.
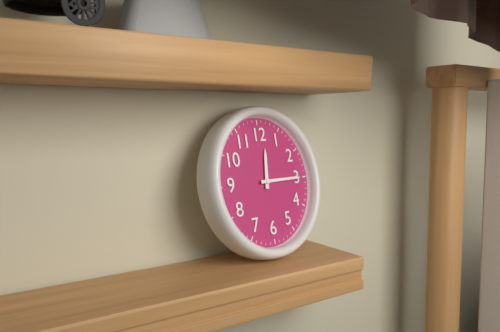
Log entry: h=12 m=15
